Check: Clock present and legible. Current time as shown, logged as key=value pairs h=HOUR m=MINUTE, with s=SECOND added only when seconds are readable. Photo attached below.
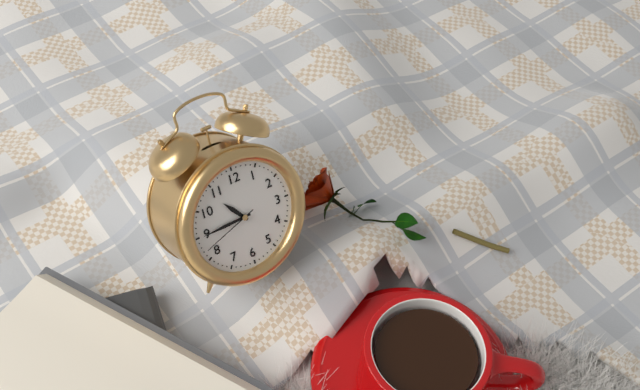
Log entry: h=10 m=45 s=42
